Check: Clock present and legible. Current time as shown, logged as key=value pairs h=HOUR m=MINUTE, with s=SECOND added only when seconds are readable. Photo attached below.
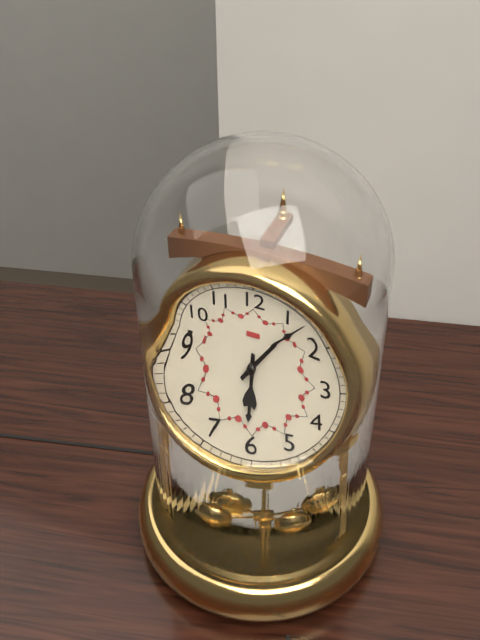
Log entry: h=6 m=7
